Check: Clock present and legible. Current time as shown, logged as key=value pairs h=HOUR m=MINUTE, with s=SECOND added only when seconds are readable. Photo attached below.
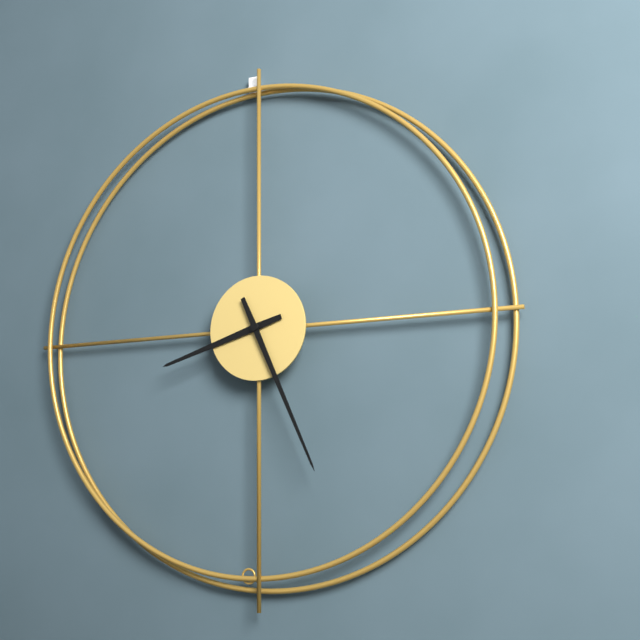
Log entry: h=8 m=26
